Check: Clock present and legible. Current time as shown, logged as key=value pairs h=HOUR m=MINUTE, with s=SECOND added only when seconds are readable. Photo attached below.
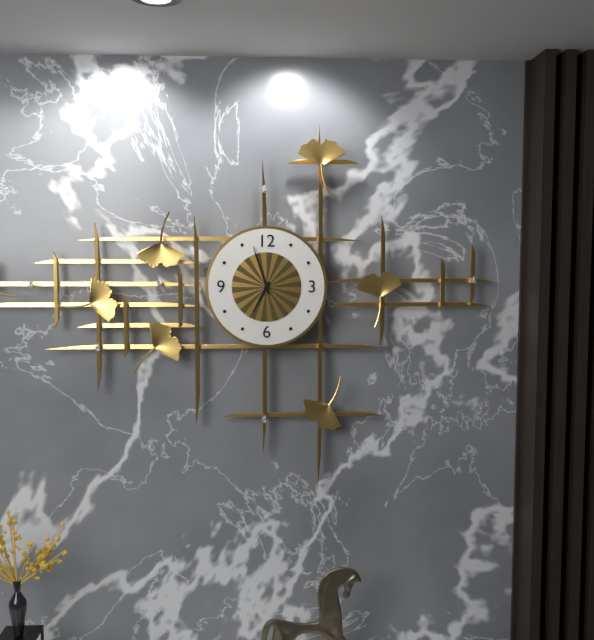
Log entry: h=6 m=57
